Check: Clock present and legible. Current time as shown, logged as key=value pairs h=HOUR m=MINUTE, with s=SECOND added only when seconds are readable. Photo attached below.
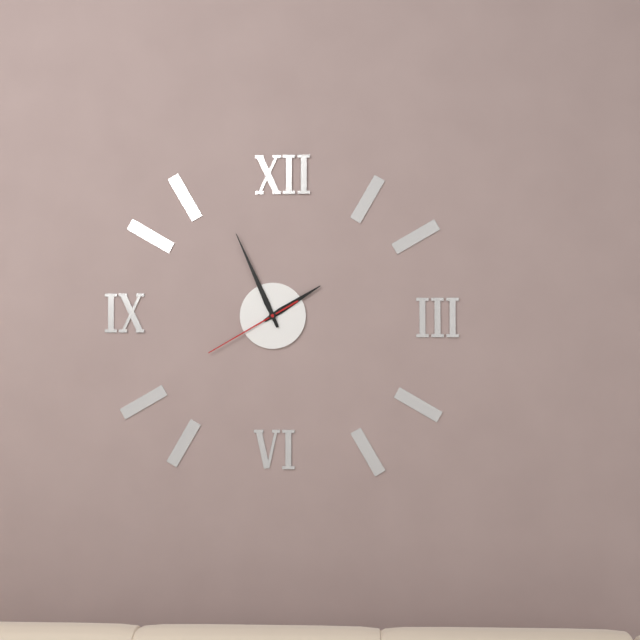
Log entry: h=1 m=56 s=40
